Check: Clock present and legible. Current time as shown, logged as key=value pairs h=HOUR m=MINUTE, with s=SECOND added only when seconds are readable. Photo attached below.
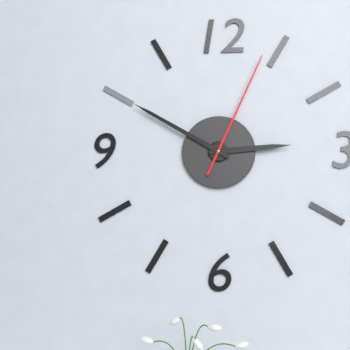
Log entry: h=2 m=50 s=4
